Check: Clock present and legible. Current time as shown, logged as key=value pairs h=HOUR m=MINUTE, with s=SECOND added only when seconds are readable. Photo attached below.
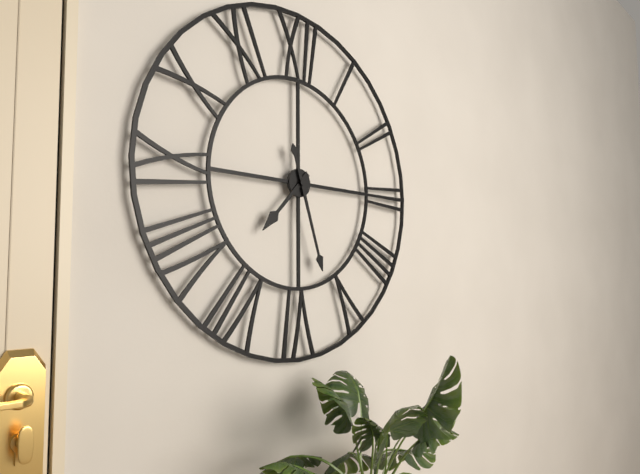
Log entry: h=7 m=27
